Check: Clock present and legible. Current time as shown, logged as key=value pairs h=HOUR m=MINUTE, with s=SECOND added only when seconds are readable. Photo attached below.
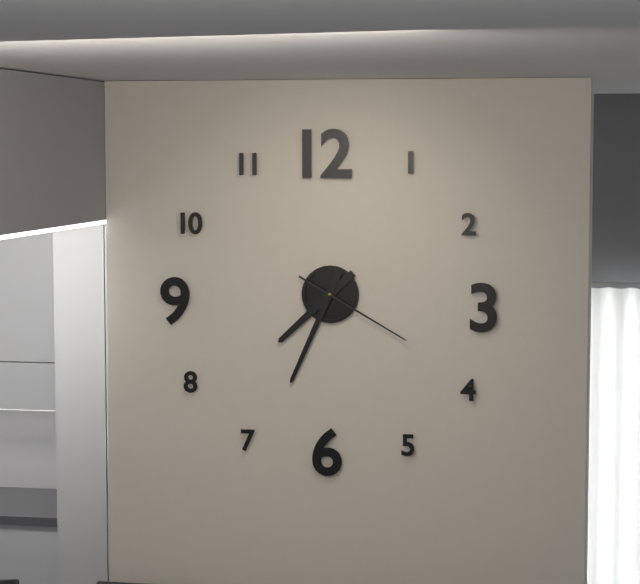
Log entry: h=7 m=34 s=20
